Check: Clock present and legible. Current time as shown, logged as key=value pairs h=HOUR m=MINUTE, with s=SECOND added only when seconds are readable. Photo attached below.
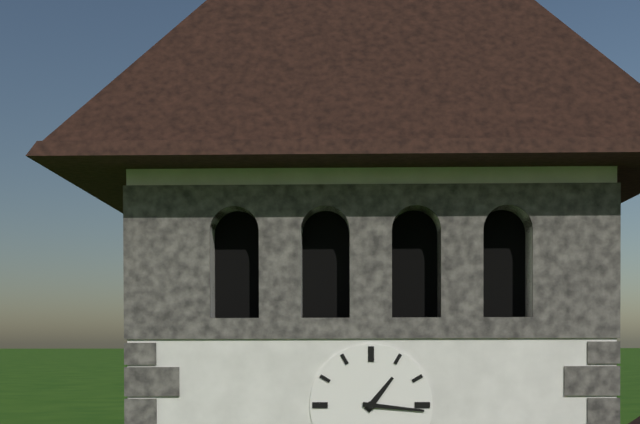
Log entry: h=1 m=16
